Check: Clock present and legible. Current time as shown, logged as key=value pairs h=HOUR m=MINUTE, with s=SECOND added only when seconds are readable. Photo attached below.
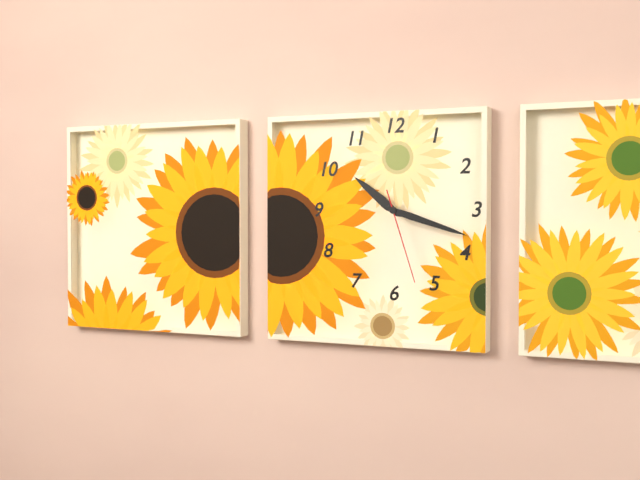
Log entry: h=10 m=18 s=27
